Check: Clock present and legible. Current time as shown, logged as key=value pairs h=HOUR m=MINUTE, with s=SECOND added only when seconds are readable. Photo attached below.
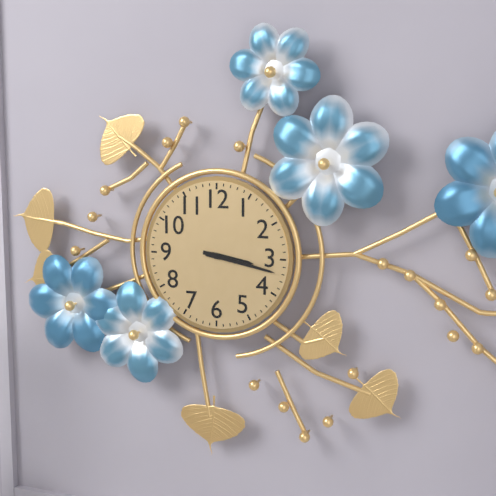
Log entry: h=3 m=17
